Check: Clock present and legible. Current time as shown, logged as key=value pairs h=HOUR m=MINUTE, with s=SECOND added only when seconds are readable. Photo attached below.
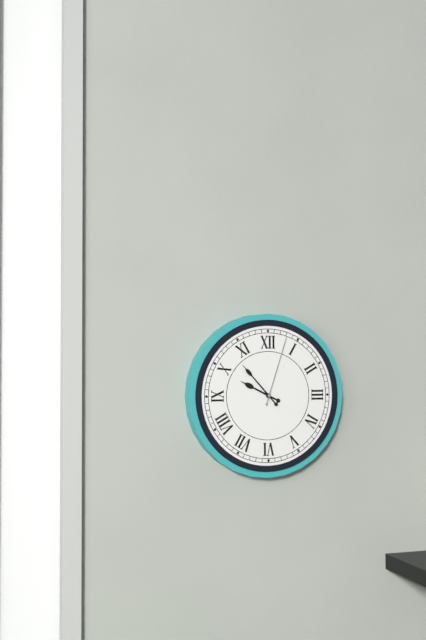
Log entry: h=9 m=53 s=3
